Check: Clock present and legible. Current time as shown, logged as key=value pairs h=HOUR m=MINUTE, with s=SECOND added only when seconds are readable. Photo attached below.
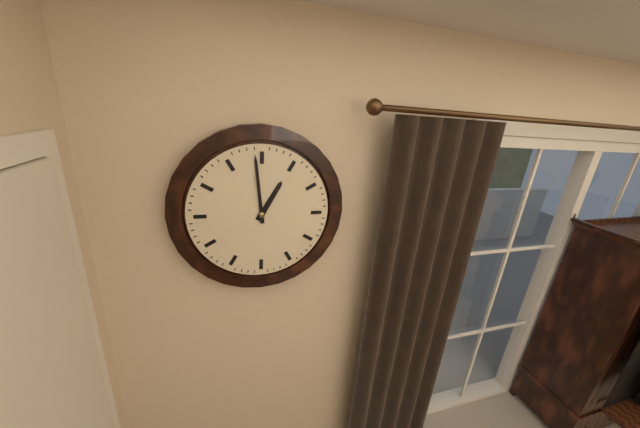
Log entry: h=12 m=59
